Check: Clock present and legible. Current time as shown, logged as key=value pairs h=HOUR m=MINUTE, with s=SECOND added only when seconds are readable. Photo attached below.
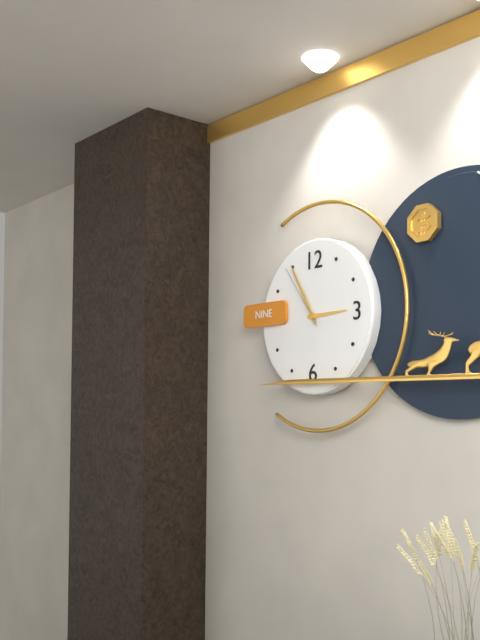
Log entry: h=2 m=55 s=54
